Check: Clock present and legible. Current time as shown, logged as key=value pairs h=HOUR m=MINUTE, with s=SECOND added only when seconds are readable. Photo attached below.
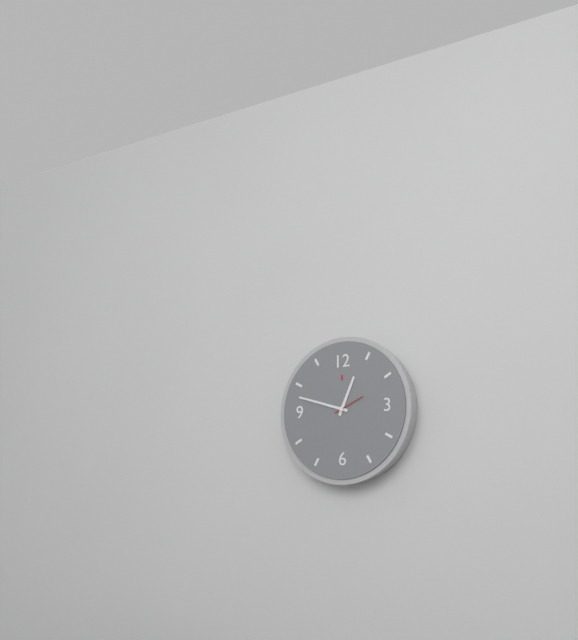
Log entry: h=12 m=48
